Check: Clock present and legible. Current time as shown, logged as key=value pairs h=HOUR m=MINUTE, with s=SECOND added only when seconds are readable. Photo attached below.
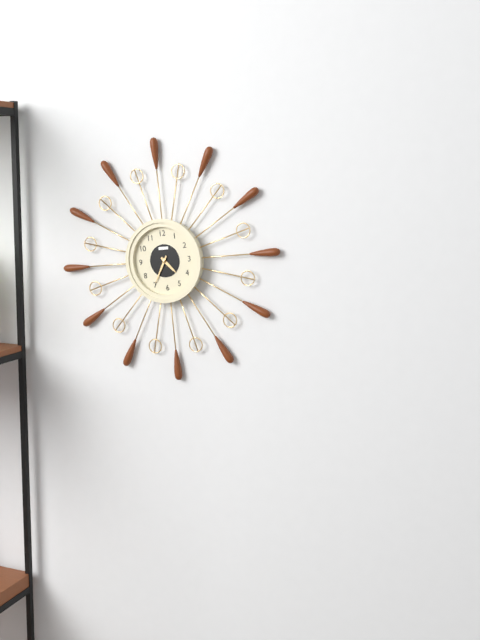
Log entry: h=4 m=35
